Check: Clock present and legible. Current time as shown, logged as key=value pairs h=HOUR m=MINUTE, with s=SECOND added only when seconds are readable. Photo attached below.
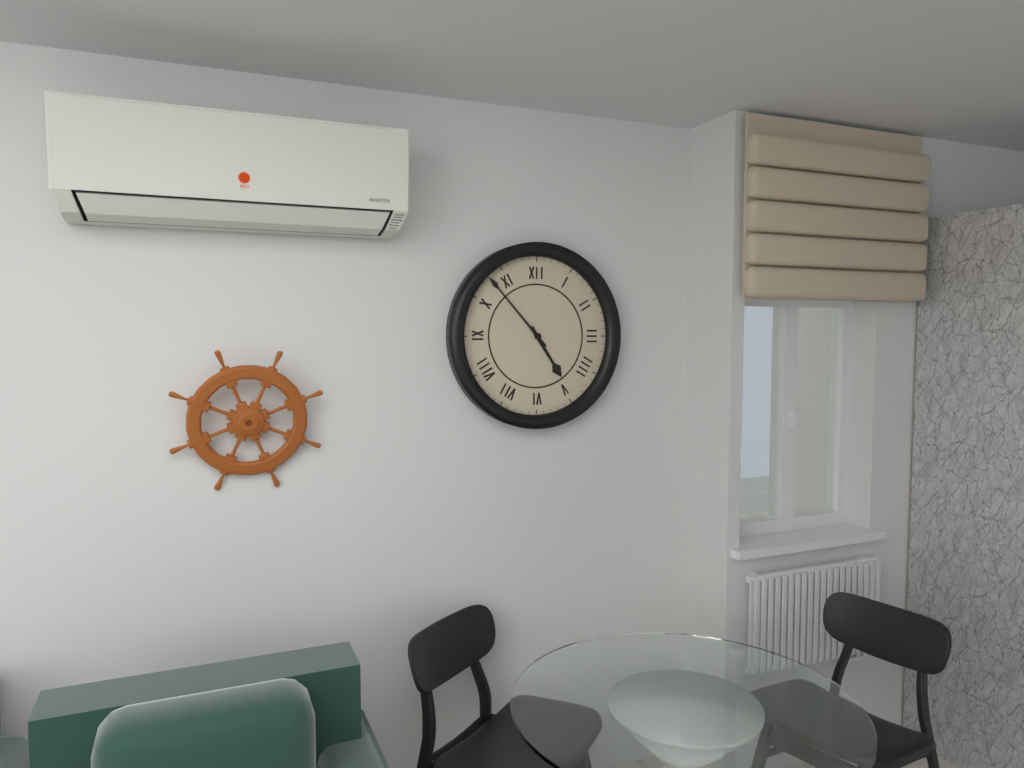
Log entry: h=4 m=53
